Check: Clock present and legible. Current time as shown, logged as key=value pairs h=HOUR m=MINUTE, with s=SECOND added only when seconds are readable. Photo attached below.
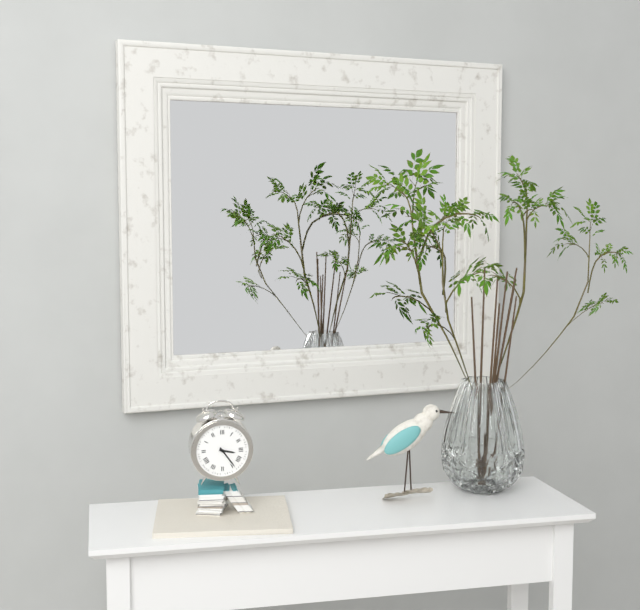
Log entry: h=3 m=24
